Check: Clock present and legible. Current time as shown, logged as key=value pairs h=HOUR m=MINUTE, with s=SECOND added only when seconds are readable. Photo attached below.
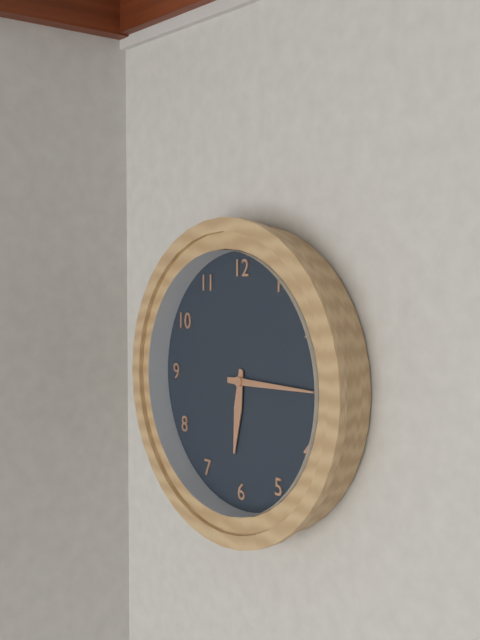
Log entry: h=6 m=15
